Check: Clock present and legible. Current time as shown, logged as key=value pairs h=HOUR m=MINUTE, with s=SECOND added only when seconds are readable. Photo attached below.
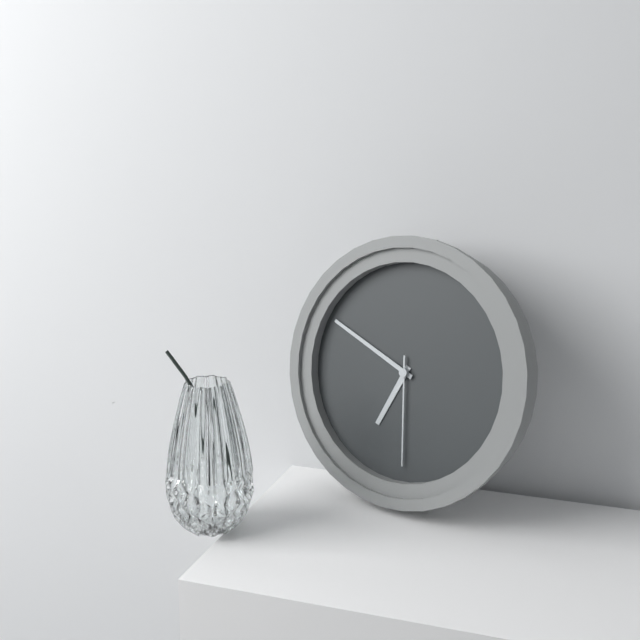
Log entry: h=6 m=49 s=29
